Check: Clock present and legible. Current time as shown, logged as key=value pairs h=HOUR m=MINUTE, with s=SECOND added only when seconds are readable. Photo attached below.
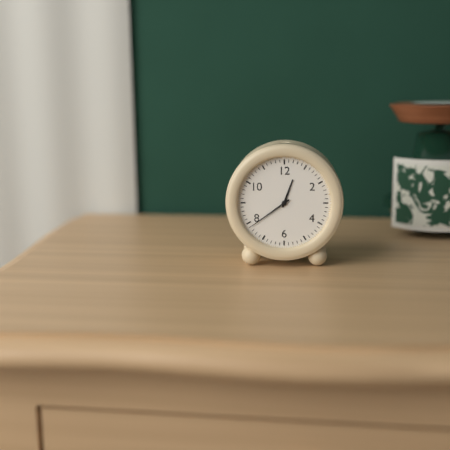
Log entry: h=12 m=39
